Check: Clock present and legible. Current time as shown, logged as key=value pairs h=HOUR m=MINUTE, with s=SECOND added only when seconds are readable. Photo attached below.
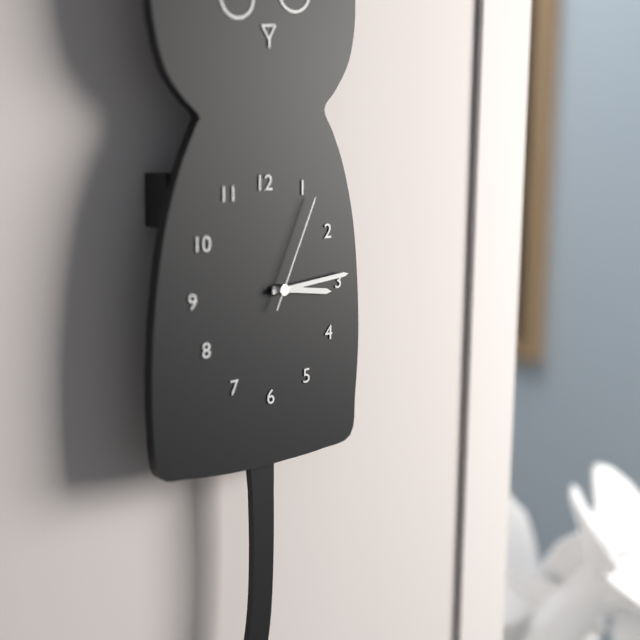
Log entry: h=3 m=14 s=4
